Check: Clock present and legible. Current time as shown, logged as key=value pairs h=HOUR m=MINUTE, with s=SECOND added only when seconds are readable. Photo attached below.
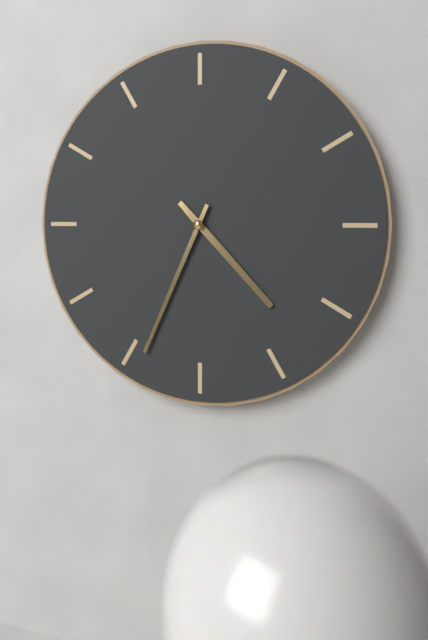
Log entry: h=4 m=34
